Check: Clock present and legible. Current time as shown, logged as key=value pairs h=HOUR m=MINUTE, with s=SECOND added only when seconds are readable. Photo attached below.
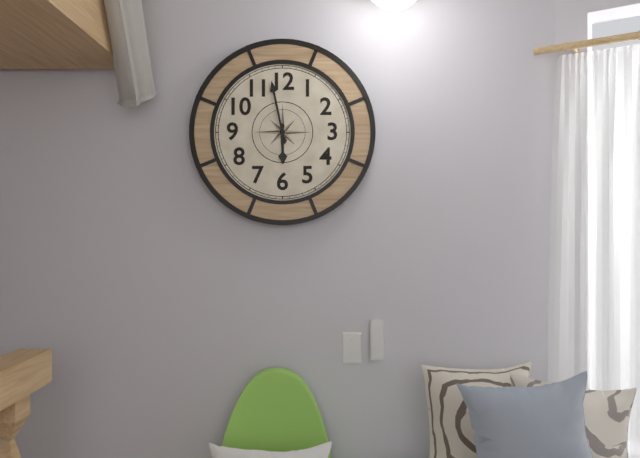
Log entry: h=5 m=58
